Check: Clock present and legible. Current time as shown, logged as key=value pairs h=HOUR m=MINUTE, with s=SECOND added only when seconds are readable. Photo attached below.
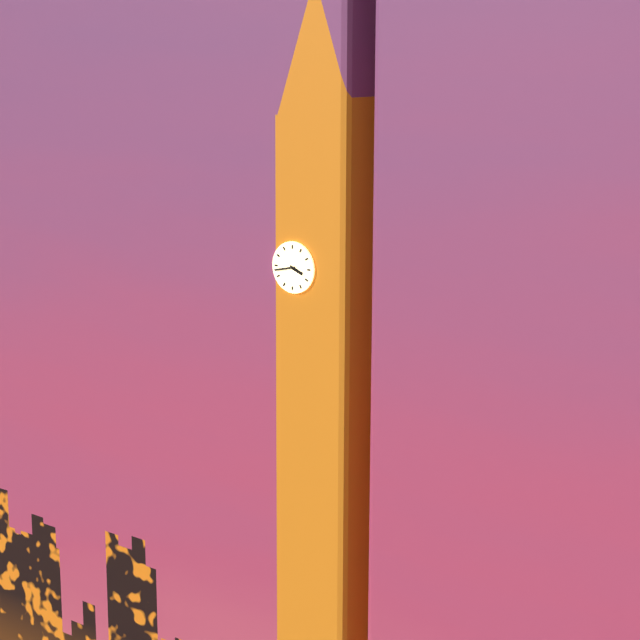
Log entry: h=3 m=43
